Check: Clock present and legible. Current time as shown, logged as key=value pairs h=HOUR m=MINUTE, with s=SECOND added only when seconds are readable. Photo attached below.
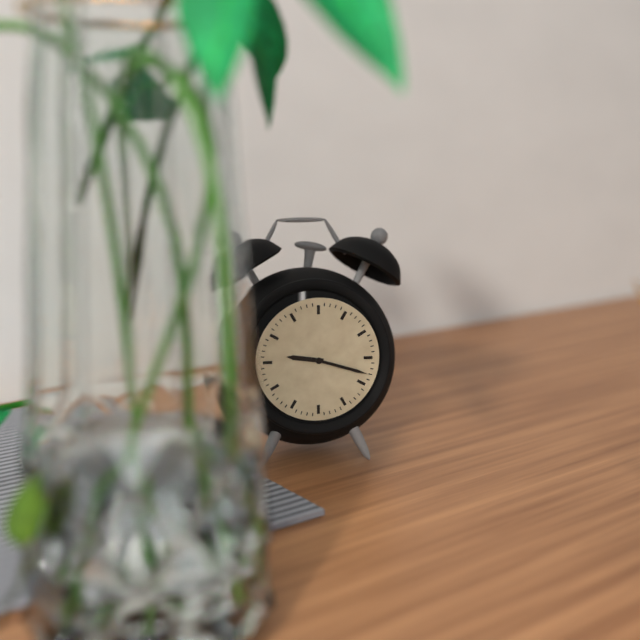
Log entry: h=9 m=18
